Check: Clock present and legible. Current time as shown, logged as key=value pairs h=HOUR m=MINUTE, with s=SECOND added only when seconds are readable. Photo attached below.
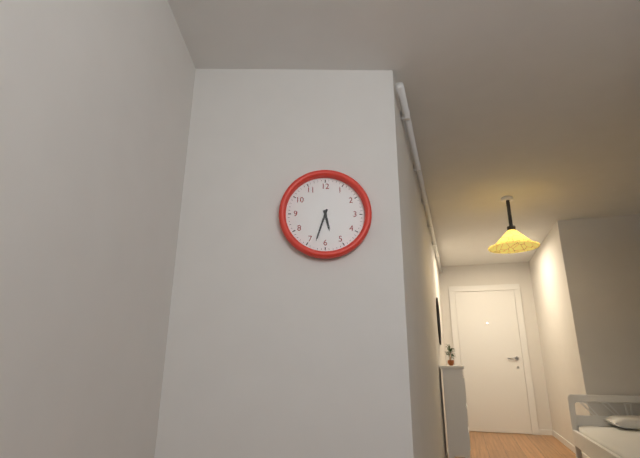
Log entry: h=5 m=33
